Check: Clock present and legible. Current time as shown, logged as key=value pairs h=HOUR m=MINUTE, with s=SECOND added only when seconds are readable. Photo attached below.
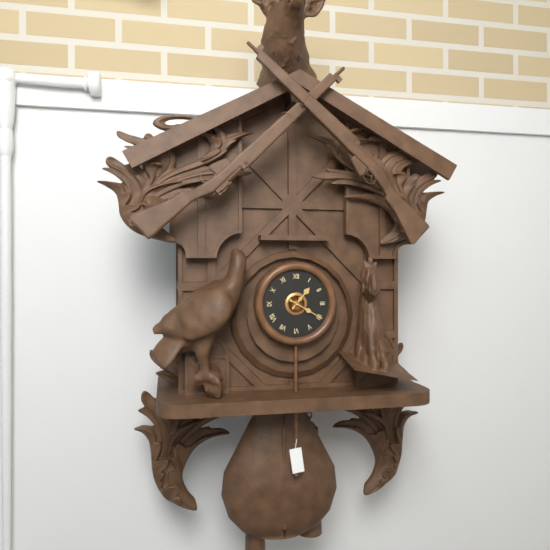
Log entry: h=1 m=20
